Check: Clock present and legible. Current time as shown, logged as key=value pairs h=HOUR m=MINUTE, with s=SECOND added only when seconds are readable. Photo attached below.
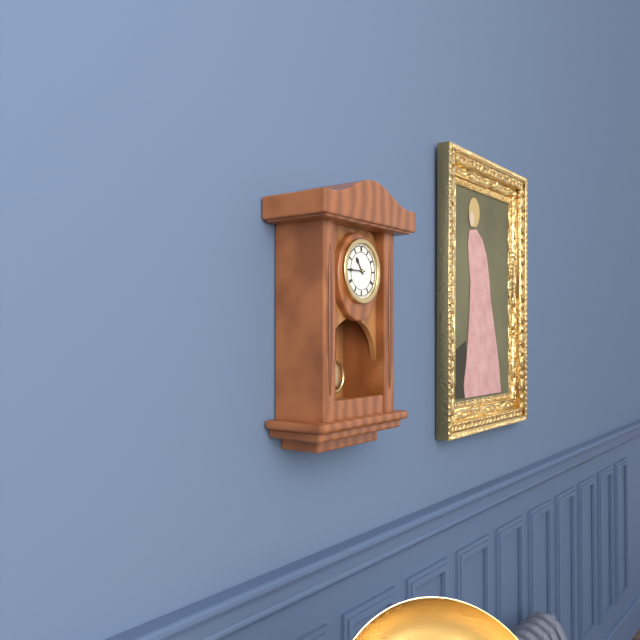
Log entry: h=10 m=45
